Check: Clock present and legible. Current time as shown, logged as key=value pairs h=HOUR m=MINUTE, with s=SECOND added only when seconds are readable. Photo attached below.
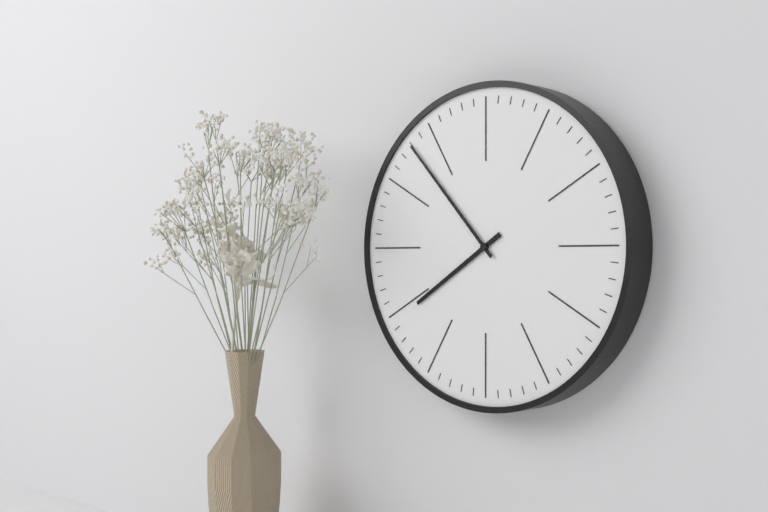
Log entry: h=7 m=53
